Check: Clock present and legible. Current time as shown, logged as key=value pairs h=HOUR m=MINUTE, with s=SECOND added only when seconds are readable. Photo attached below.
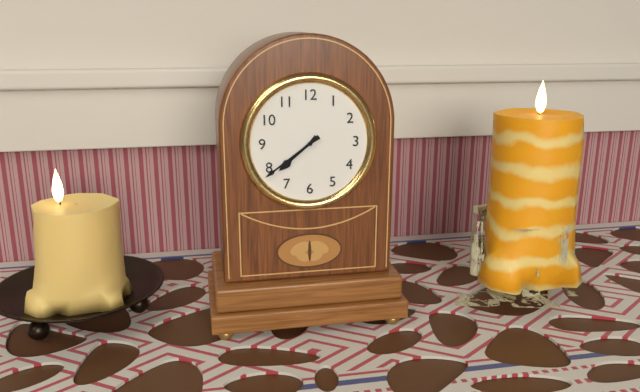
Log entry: h=7 m=39
